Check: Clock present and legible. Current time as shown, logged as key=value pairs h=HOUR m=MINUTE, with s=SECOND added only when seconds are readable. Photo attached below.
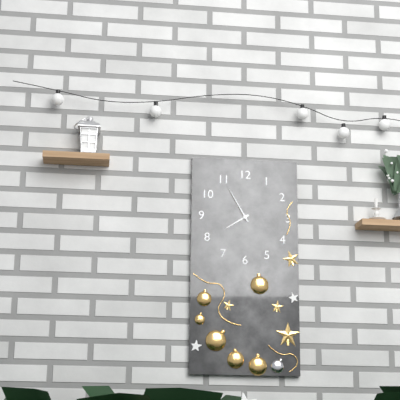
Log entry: h=7 m=55
